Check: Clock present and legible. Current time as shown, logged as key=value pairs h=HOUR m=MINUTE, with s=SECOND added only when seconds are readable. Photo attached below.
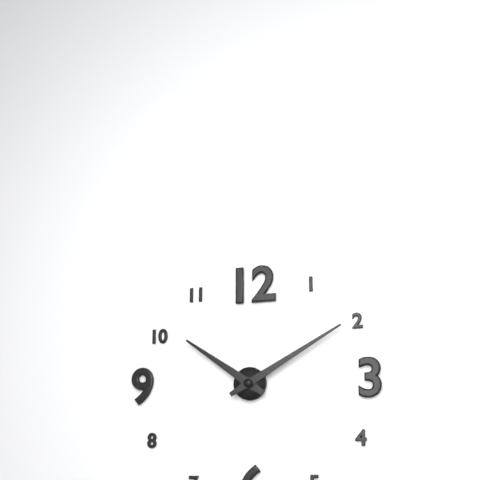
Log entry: h=10 m=10
